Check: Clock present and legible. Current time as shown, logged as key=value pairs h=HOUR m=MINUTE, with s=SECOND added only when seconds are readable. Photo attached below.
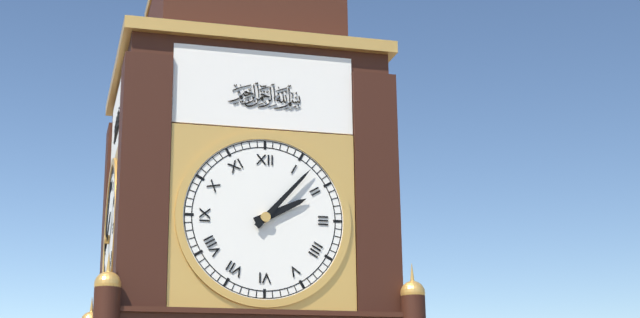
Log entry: h=2 m=7
